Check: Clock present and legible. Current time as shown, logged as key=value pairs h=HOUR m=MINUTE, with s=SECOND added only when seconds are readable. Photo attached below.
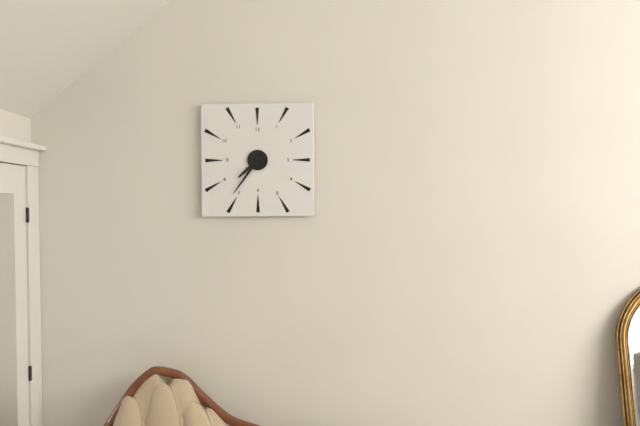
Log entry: h=7 m=36
